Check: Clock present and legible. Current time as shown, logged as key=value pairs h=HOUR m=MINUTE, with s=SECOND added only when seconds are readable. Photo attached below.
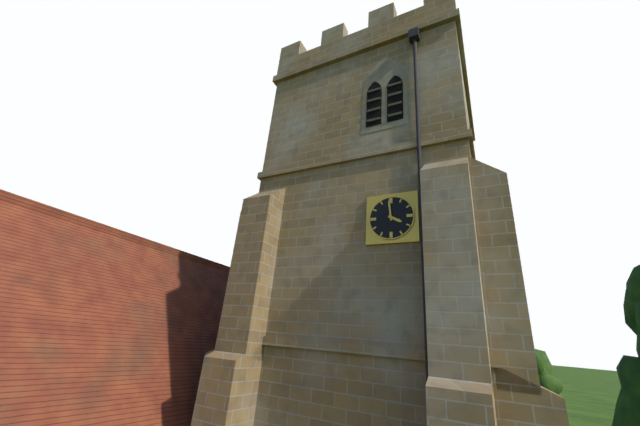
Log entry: h=3 m=59
